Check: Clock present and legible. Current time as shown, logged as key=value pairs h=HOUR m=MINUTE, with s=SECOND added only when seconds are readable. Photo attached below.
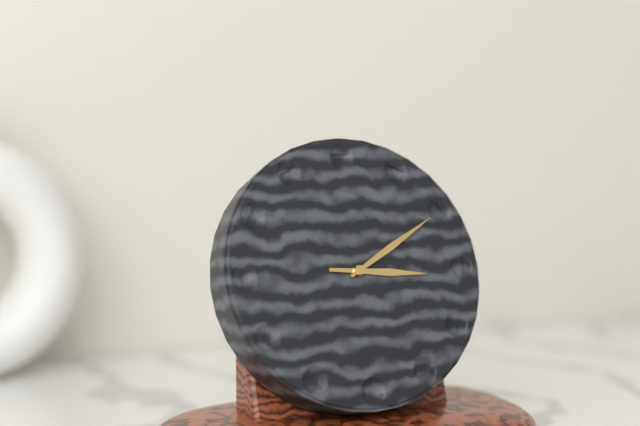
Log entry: h=3 m=10
